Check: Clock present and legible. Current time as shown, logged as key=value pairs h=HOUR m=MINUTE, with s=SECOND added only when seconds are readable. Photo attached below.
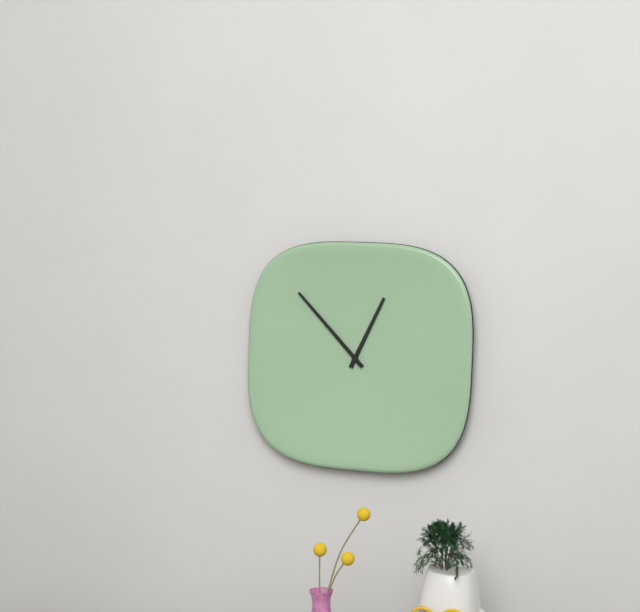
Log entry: h=12 m=53
